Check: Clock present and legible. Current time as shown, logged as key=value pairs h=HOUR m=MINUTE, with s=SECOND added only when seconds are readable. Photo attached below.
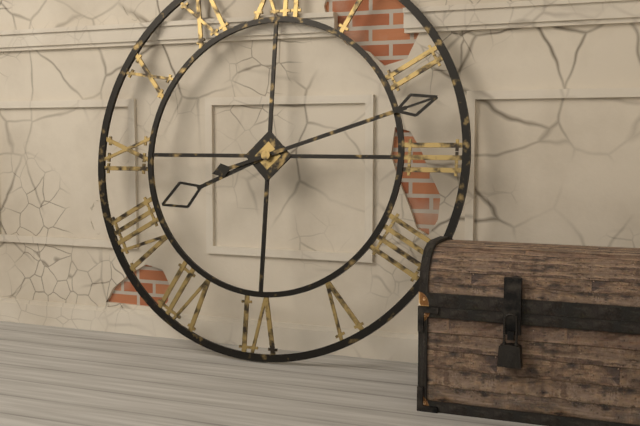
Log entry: h=8 m=12
